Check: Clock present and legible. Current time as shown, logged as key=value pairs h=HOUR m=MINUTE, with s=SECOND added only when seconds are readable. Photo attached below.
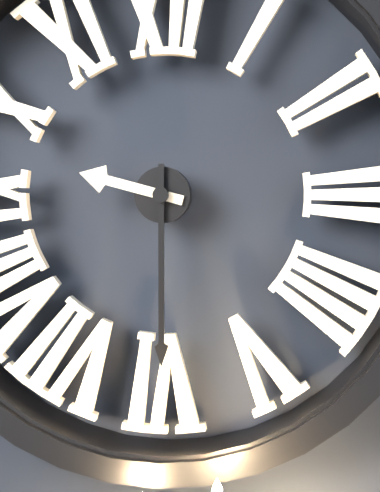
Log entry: h=9 m=30
